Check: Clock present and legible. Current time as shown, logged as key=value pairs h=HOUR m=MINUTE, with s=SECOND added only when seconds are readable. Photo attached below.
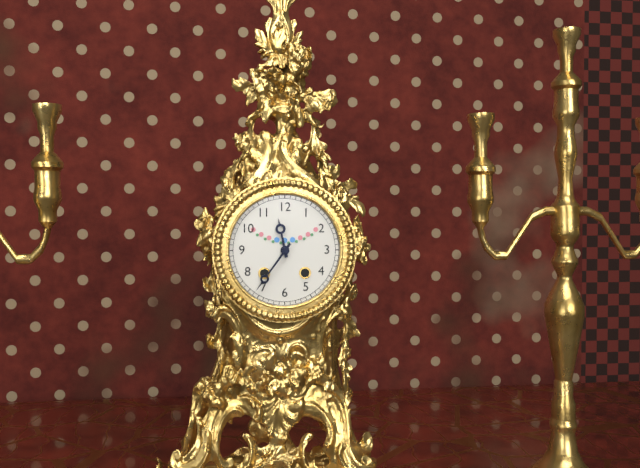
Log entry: h=11 m=36
